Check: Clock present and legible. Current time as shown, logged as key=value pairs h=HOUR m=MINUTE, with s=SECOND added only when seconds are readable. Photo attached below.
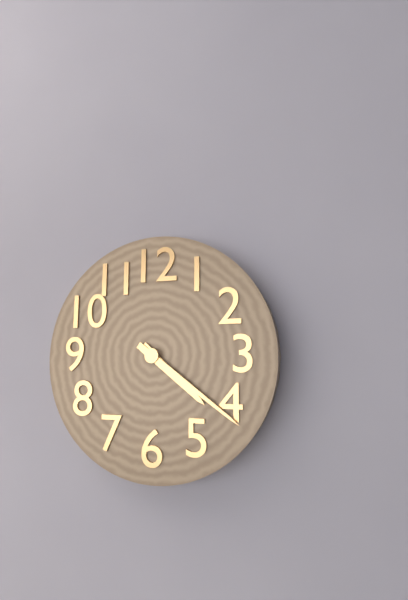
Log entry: h=4 m=21
